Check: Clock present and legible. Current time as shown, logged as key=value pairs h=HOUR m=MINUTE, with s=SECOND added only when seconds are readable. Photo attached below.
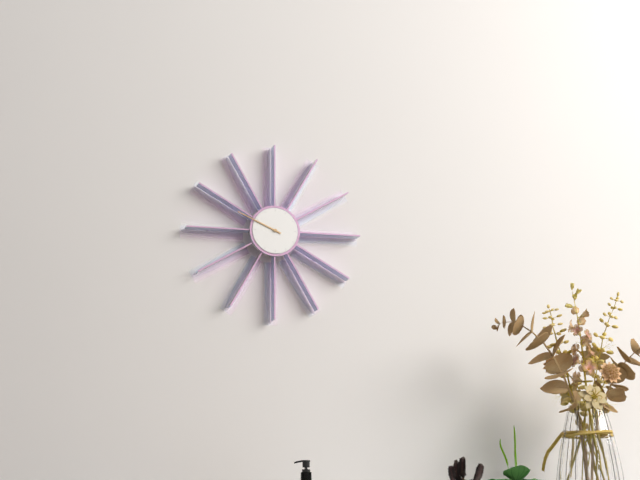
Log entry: h=9 m=49
